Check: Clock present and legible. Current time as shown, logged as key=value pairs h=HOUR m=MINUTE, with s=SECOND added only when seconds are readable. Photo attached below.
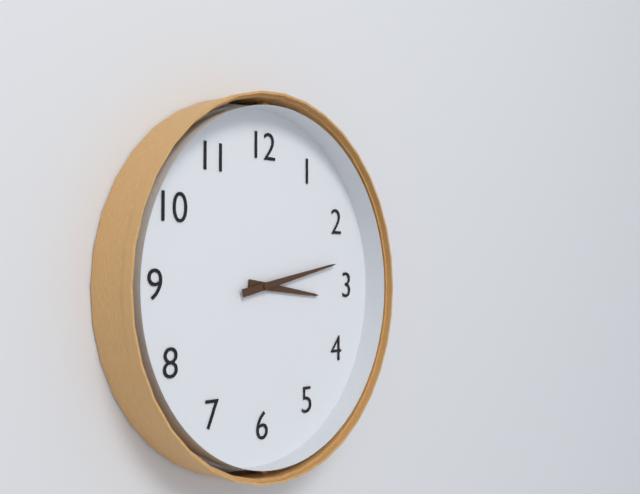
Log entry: h=3 m=13
